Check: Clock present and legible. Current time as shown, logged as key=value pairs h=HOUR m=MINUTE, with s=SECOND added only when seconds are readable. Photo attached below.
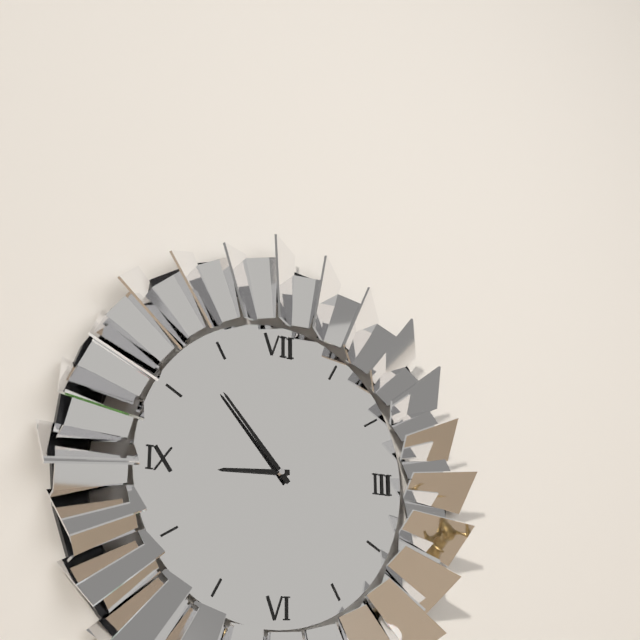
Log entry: h=8 m=53
